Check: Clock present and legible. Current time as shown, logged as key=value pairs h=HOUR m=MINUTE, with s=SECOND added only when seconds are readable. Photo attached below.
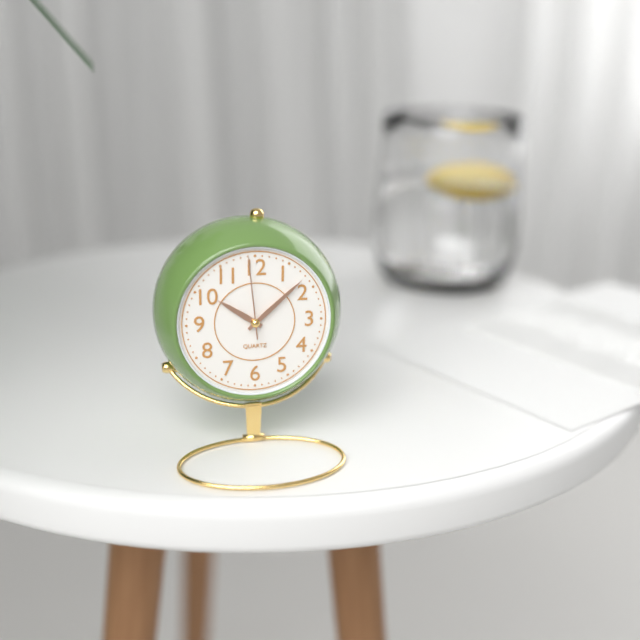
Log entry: h=10 m=8 s=59
